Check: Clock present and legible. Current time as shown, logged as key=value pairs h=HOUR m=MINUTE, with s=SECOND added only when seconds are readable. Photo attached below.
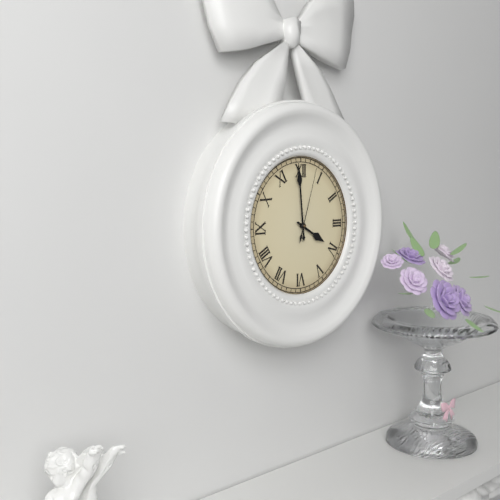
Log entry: h=3 m=59 s=3
